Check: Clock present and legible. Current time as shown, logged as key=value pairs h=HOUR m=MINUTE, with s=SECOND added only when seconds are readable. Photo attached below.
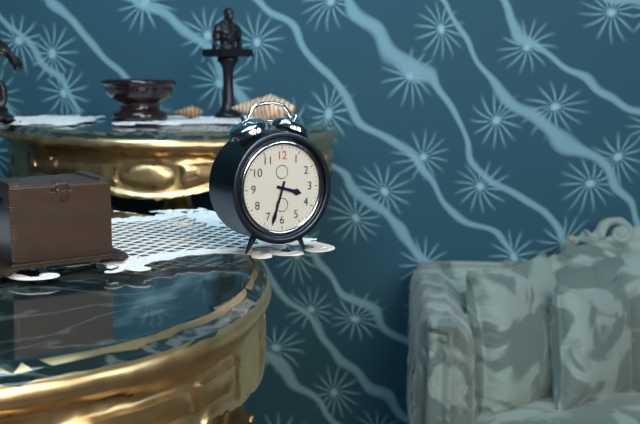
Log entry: h=3 m=33
